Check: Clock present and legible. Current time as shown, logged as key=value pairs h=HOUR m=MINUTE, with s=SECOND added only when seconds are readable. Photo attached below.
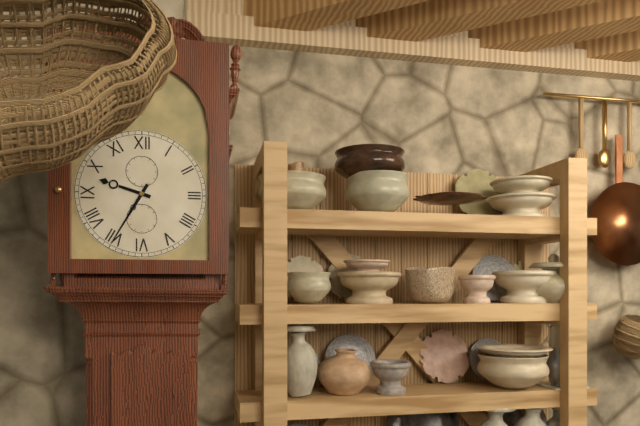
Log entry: h=9 m=35
